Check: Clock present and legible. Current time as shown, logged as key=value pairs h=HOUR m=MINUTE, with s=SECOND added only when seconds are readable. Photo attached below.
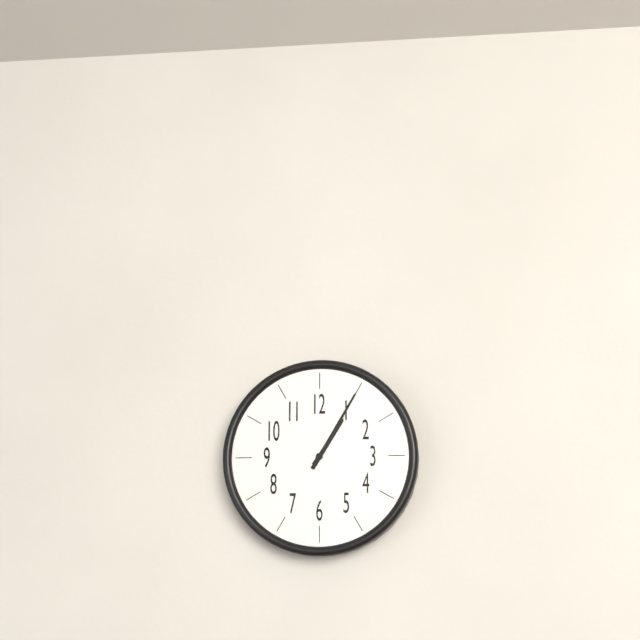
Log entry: h=1 m=5
